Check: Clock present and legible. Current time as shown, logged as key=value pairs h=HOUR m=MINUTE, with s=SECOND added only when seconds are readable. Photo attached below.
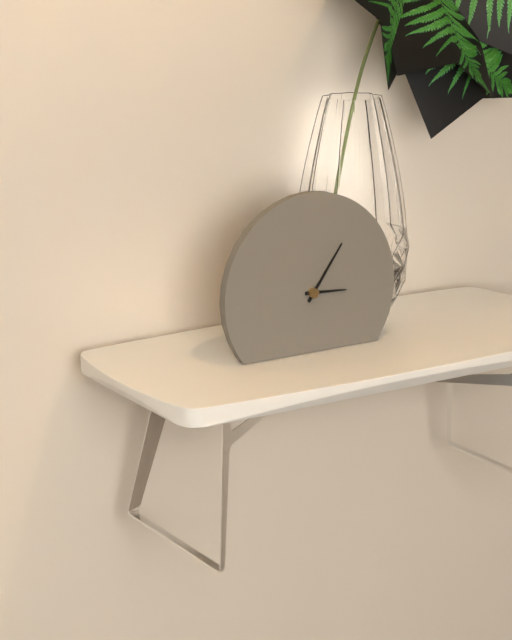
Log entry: h=3 m=6
